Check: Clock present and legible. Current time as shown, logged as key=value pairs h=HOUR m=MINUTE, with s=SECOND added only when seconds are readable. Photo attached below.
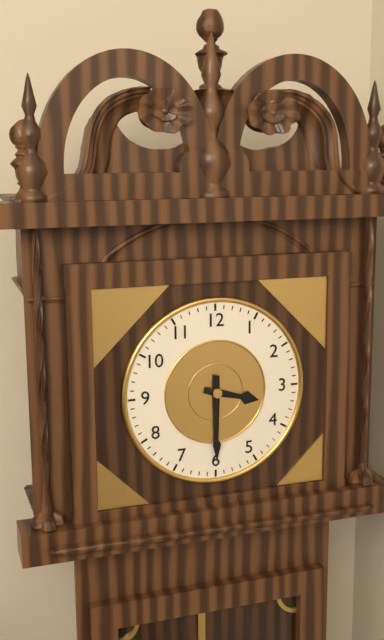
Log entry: h=3 m=30
